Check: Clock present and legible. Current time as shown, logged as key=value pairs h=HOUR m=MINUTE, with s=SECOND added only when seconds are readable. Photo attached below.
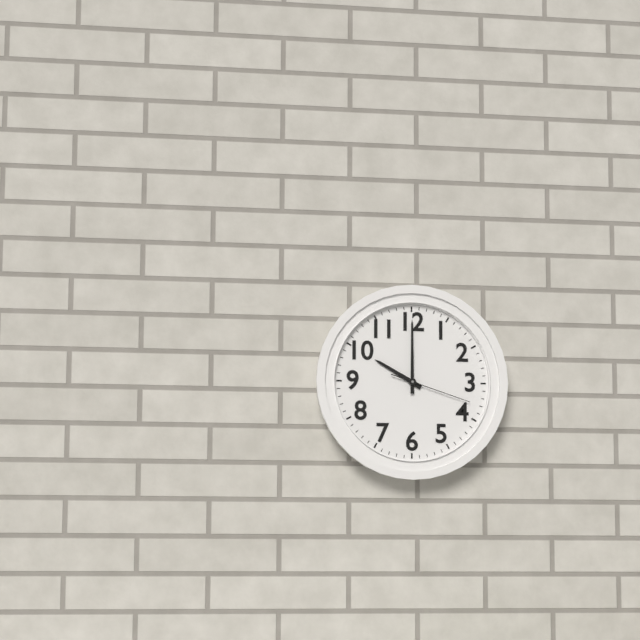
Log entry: h=10 m=0 s=18
